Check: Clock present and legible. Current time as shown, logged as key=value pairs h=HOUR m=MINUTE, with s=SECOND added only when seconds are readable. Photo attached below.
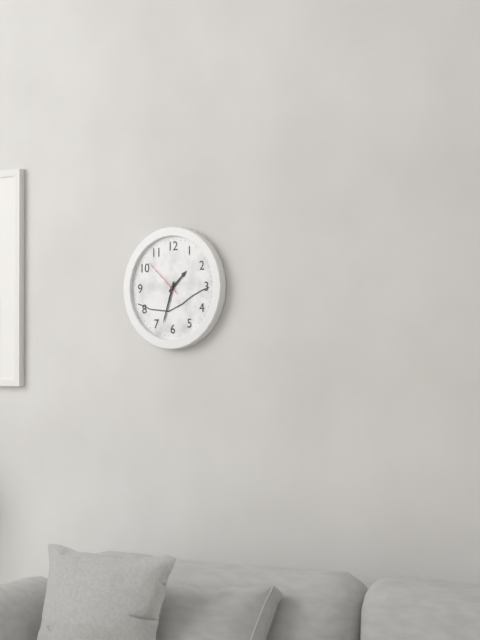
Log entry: h=1 m=33
